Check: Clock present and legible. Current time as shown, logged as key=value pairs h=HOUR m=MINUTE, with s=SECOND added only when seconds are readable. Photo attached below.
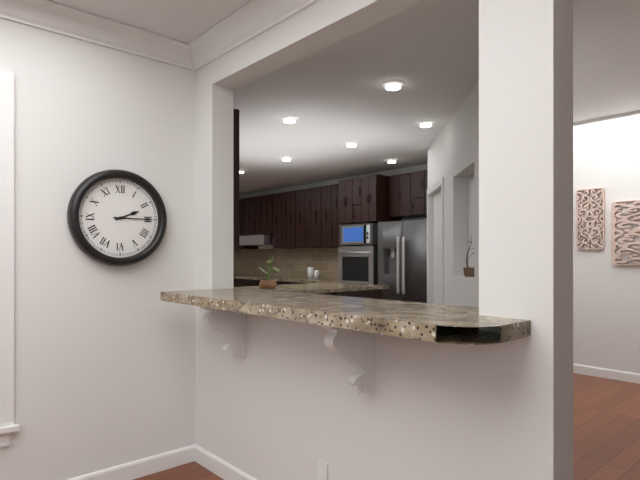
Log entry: h=2 m=15
